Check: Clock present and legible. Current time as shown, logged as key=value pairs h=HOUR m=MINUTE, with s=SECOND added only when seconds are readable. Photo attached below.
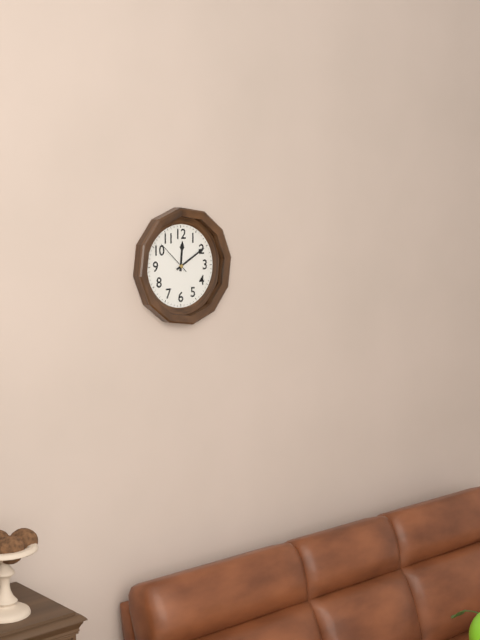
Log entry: h=12 m=10
